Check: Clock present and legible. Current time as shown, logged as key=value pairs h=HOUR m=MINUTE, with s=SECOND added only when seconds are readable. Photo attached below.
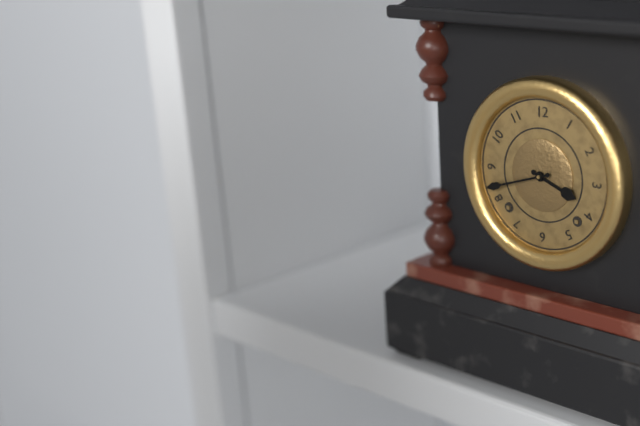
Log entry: h=3 m=42
